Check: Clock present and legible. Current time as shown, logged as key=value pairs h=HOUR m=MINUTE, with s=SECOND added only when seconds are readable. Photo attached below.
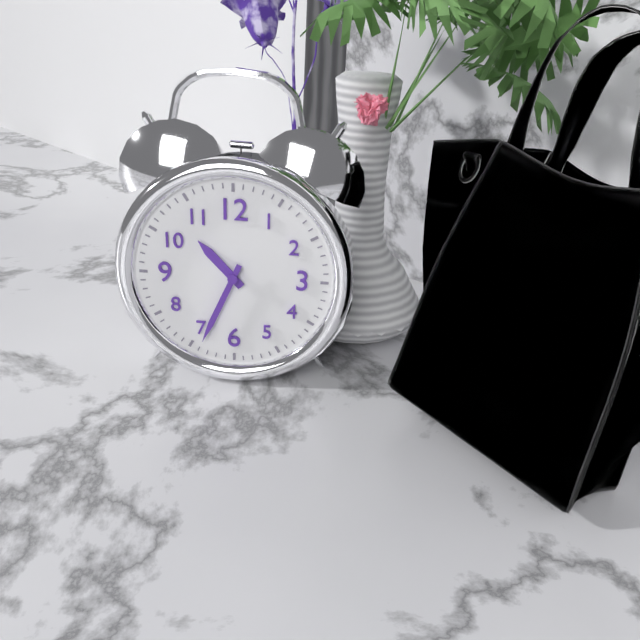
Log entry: h=10 m=34
